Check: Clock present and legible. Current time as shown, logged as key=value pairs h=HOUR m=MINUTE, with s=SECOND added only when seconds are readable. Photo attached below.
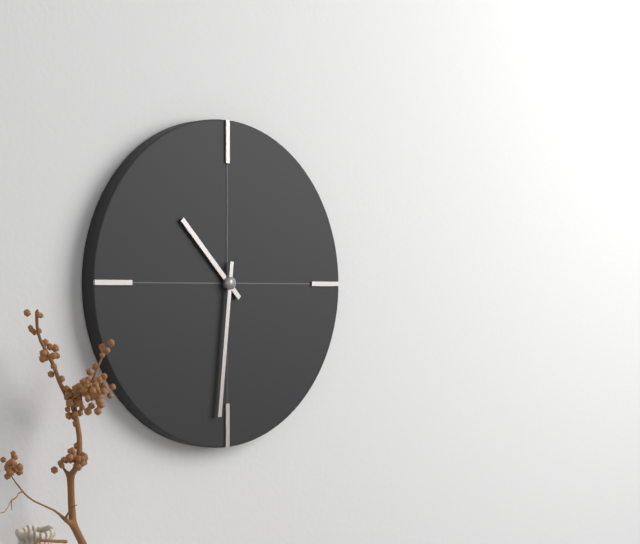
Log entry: h=10 m=31
